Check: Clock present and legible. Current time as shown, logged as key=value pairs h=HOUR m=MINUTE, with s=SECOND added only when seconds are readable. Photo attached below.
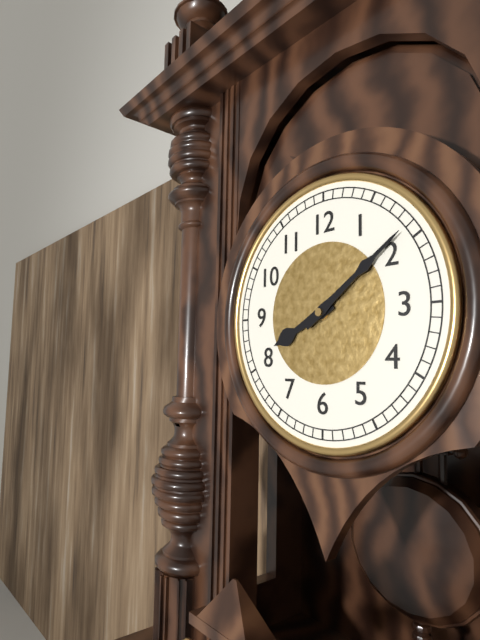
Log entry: h=8 m=9
